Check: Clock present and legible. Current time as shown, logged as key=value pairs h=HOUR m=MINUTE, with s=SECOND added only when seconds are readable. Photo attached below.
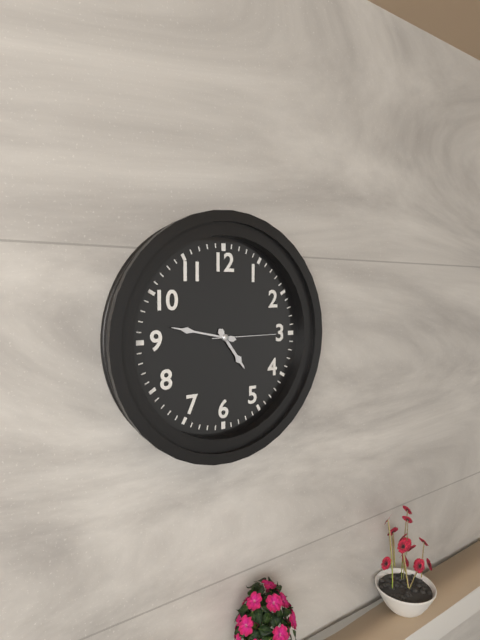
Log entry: h=4 m=47 s=15
